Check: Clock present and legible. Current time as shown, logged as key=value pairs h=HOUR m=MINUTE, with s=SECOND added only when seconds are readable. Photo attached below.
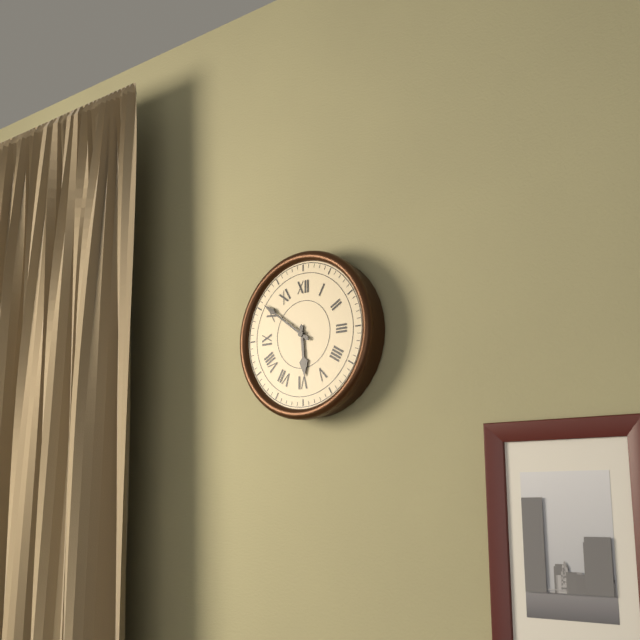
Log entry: h=5 m=51
